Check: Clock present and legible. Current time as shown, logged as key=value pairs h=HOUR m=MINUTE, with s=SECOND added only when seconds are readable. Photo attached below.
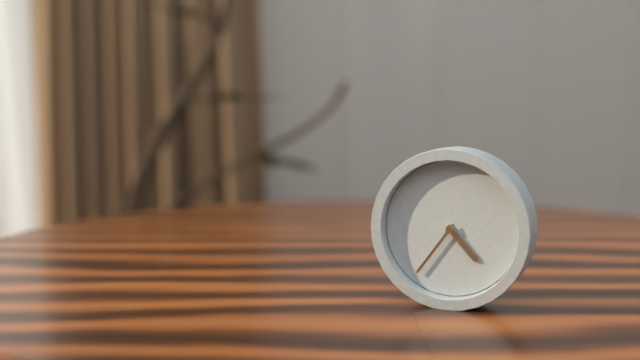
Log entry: h=4 m=36
